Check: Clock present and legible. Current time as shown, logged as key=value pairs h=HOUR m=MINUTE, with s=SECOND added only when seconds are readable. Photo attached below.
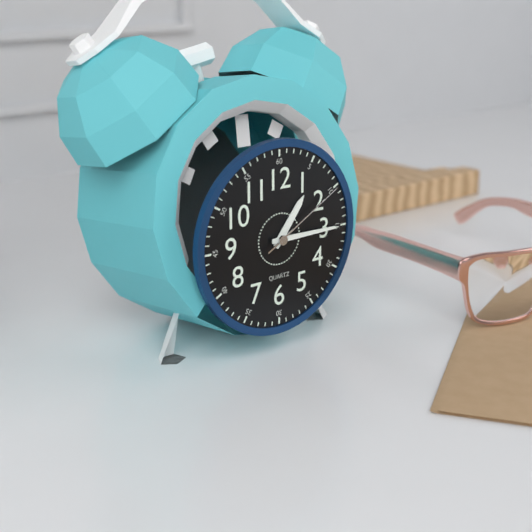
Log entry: h=1 m=15 s=10
